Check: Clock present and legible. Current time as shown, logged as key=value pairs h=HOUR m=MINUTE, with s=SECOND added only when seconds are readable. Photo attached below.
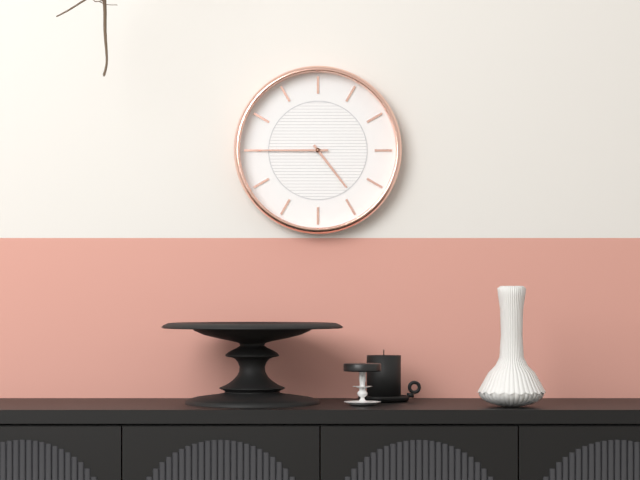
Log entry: h=4 m=45
